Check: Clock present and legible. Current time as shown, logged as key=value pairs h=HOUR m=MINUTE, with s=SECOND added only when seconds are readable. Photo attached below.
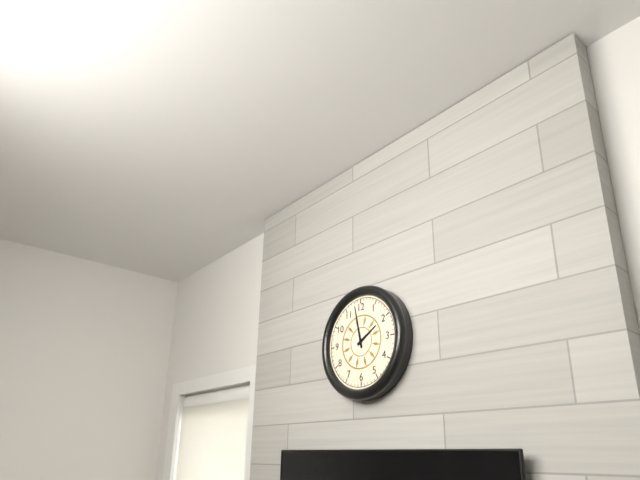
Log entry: h=1 m=58
